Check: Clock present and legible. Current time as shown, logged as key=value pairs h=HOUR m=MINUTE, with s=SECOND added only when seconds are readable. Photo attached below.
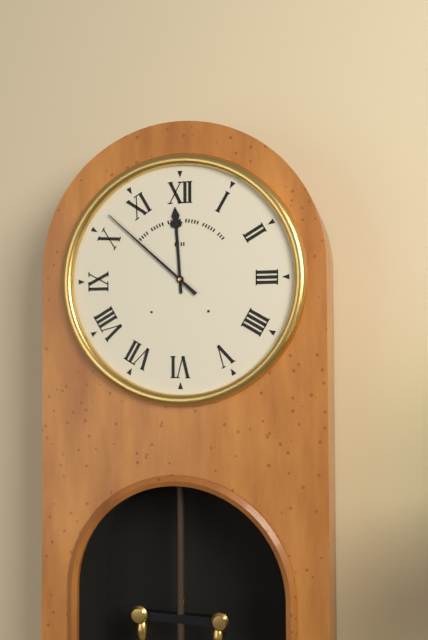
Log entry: h=11 m=52
